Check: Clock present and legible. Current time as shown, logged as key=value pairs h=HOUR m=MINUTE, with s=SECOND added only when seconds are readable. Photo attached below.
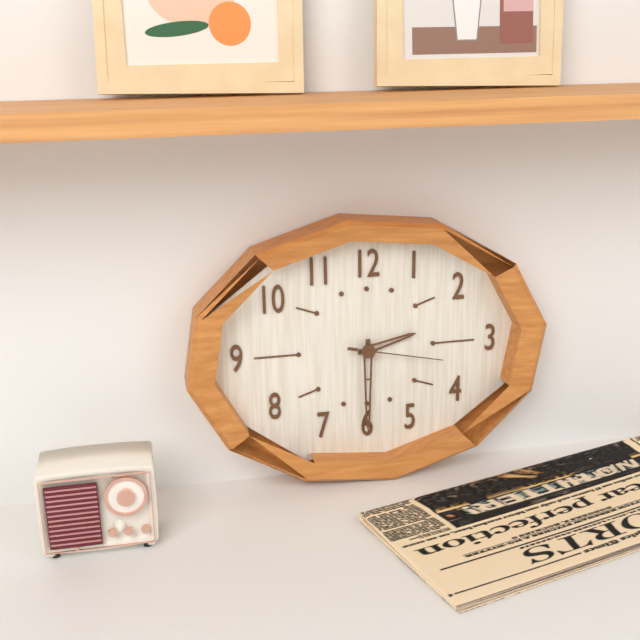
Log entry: h=2 m=30 s=17
